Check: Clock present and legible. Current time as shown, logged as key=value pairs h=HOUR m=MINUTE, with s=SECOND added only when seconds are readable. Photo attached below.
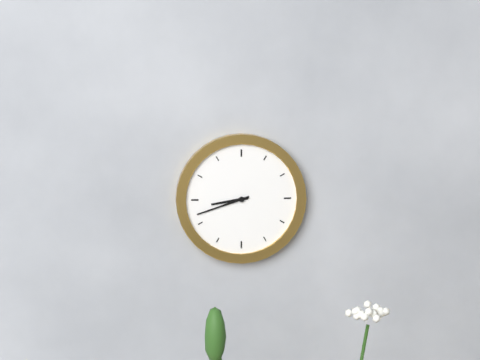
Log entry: h=8 m=42
